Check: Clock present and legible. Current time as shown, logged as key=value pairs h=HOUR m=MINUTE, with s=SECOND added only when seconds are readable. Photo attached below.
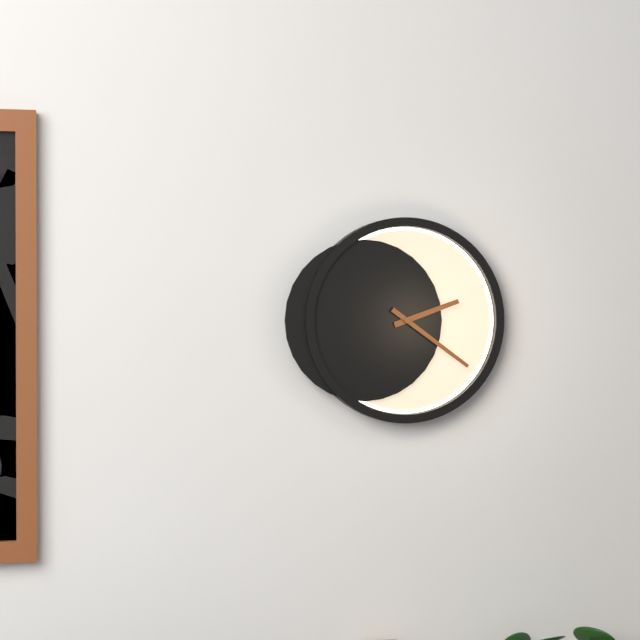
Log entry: h=2 m=21
